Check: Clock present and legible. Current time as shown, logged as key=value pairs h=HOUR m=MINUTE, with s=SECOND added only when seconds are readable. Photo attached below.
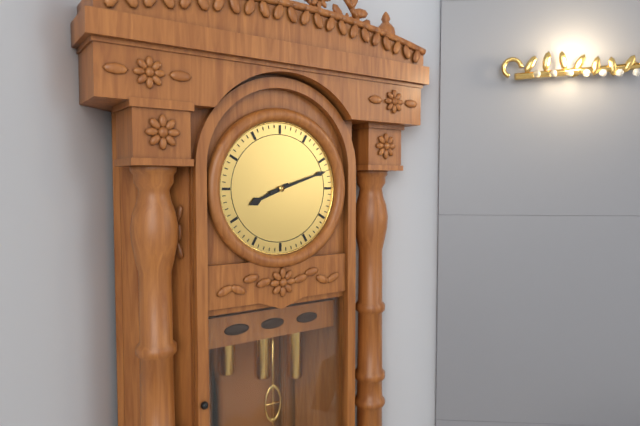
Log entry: h=8 m=12
